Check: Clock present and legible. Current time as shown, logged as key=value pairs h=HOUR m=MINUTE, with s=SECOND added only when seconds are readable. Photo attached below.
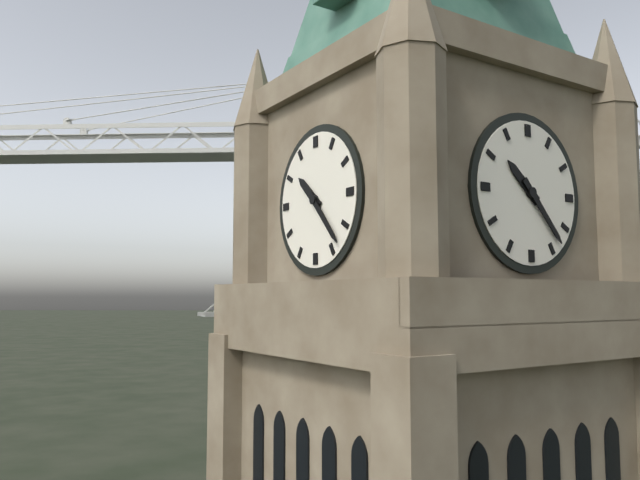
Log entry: h=10 m=23
